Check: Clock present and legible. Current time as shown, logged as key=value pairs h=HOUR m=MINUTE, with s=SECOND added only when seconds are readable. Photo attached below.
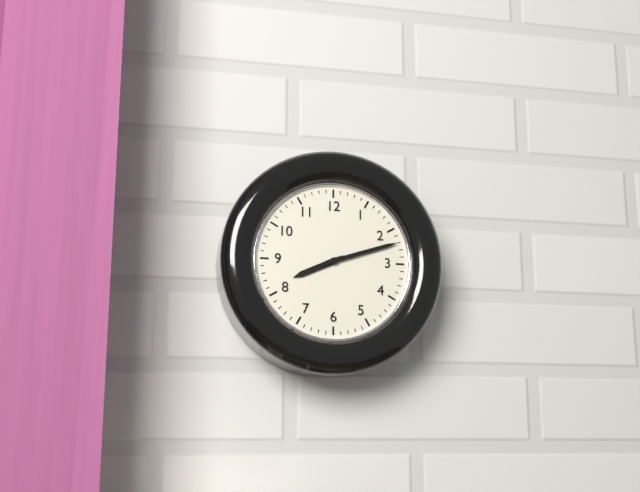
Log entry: h=8 m=12
